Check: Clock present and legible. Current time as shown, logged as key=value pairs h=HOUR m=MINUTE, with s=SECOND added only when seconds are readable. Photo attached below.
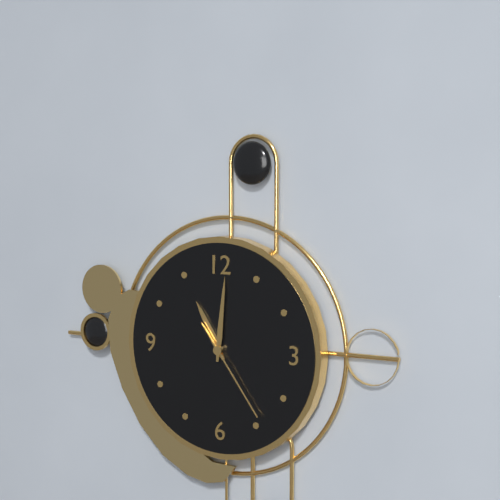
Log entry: h=11 m=1 s=24
